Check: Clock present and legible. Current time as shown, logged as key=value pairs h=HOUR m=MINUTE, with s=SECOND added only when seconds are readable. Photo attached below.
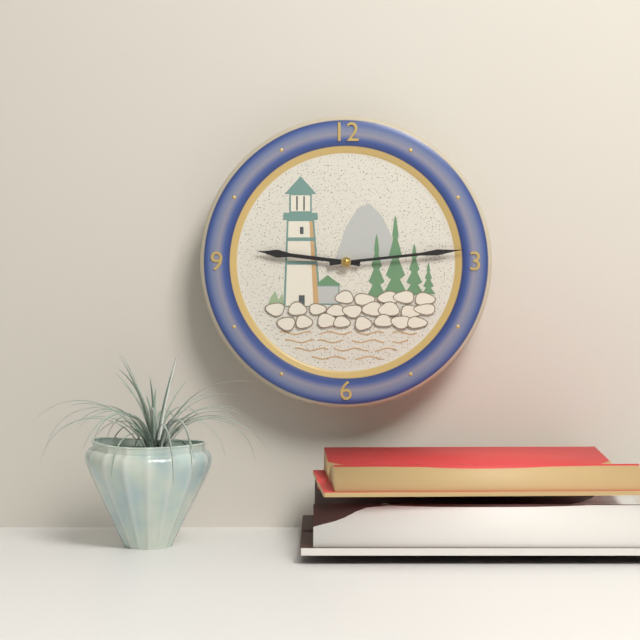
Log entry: h=9 m=14
